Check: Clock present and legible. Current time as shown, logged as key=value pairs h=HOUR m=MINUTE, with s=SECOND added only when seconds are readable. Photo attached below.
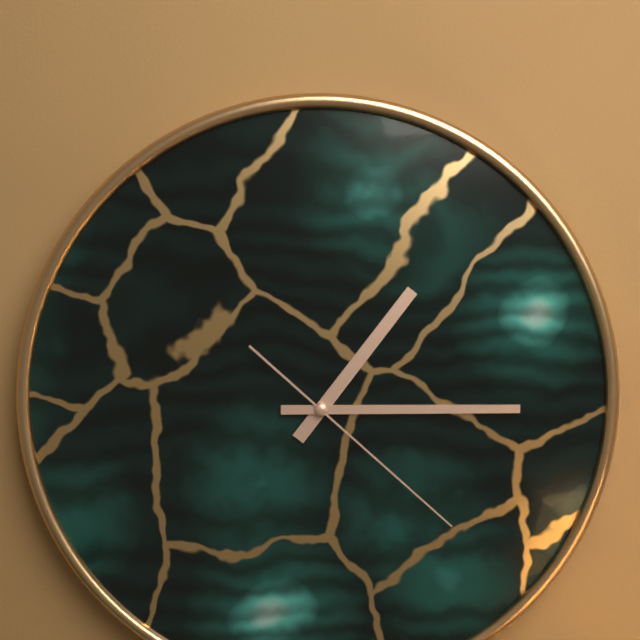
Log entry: h=1 m=15 s=22
